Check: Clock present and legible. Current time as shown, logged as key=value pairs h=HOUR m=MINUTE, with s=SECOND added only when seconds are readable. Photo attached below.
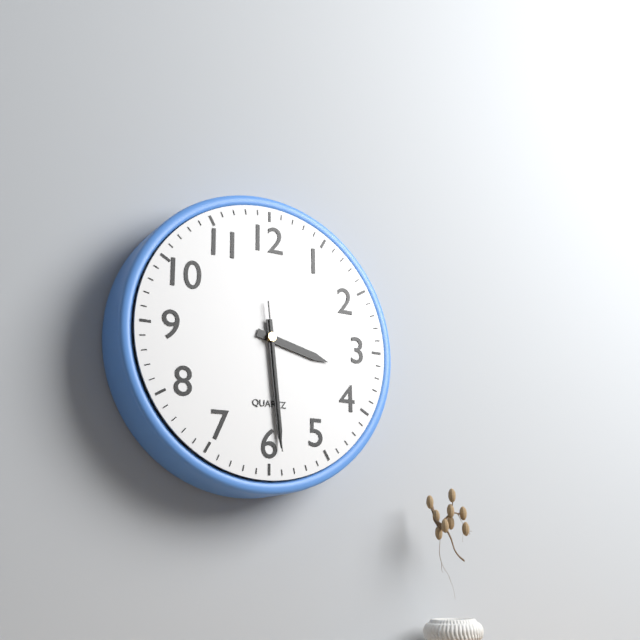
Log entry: h=3 m=29 s=29
